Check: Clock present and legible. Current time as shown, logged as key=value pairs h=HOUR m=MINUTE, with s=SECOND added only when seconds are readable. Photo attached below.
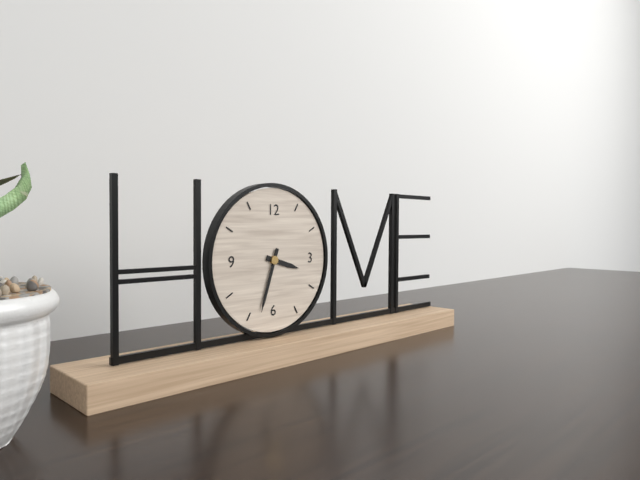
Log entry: h=3 m=33
